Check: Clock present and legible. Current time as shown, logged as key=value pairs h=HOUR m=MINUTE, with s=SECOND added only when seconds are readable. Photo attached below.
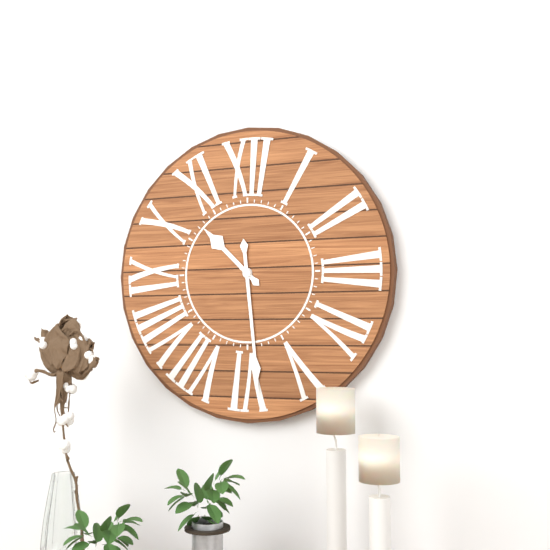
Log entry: h=10 m=29
